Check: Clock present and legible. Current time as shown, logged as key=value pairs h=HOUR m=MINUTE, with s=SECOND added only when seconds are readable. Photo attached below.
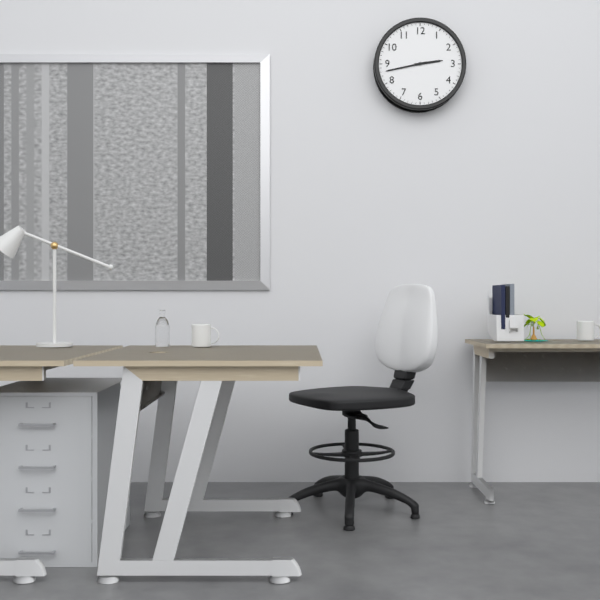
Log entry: h=2 m=43
